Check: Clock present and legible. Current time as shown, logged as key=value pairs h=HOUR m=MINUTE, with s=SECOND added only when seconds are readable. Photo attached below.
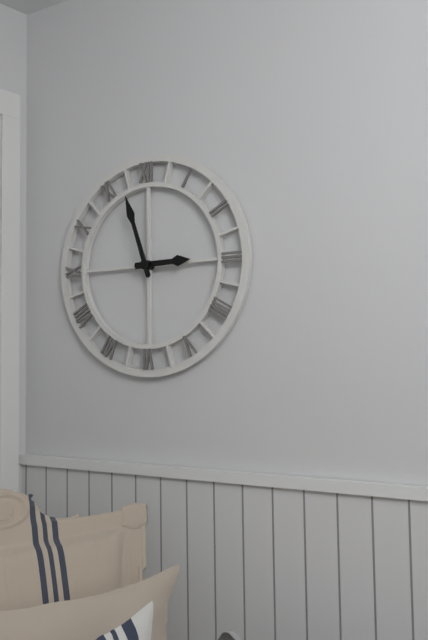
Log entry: h=2 m=57
